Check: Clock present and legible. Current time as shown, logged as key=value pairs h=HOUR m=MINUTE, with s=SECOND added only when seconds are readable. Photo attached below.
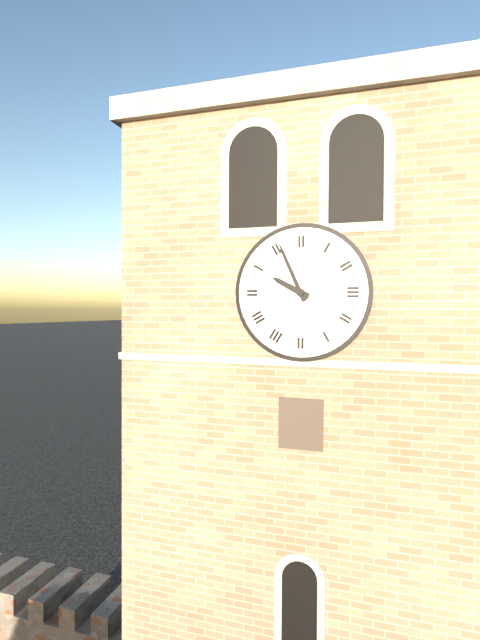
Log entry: h=9 m=56
